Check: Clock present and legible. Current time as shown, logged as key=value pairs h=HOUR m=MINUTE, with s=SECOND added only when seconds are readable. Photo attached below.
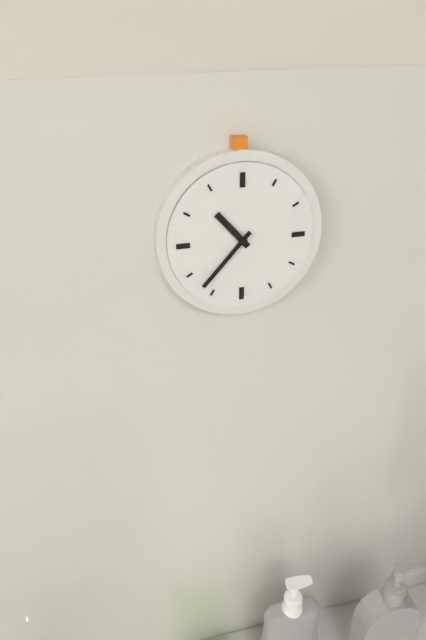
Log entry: h=10 m=37
